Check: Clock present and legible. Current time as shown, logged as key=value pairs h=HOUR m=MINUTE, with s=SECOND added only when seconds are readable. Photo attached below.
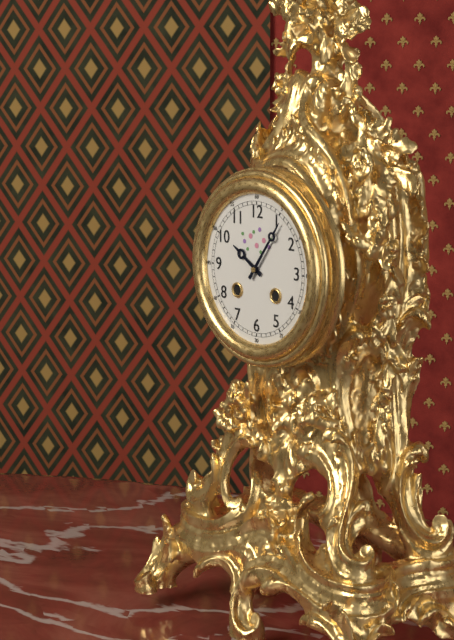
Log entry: h=10 m=6
